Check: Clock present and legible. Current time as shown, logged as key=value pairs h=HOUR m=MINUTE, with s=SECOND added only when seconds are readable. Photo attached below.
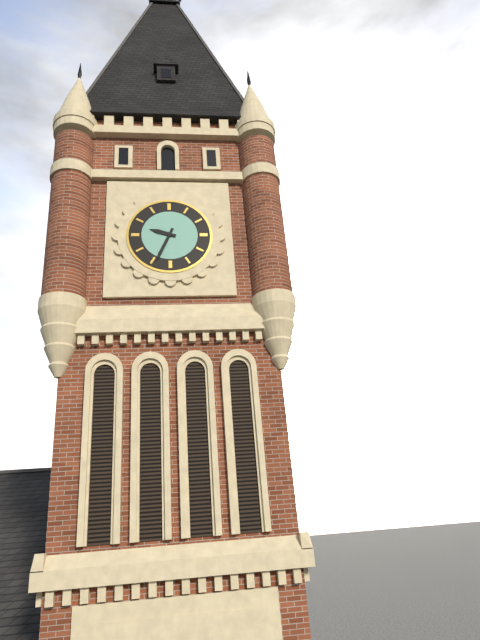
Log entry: h=9 m=34
